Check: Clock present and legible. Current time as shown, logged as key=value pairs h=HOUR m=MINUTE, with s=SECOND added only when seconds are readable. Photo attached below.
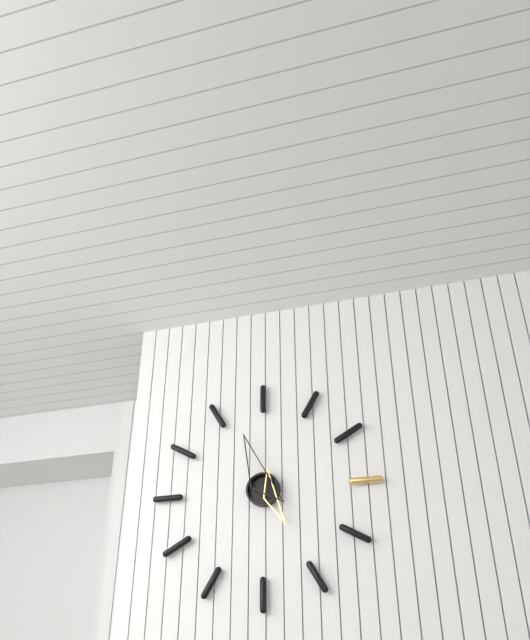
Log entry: h=4 m=57
